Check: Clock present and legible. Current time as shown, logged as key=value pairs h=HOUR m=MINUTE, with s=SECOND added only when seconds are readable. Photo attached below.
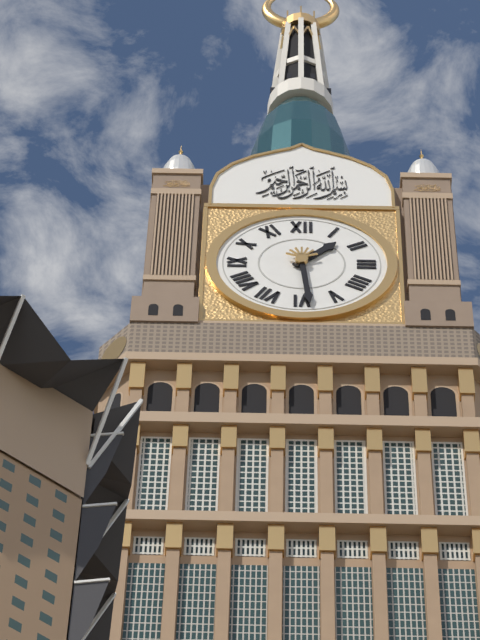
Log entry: h=1 m=29
